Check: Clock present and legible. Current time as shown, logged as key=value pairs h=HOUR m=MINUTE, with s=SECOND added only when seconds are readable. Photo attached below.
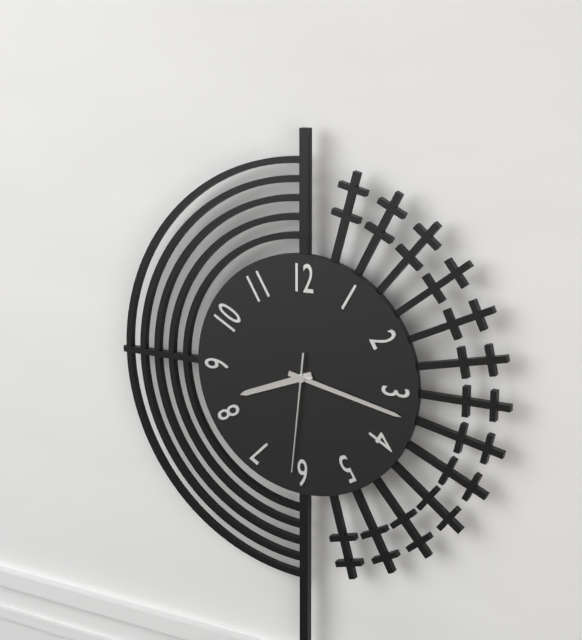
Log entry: h=8 m=17 s=31
